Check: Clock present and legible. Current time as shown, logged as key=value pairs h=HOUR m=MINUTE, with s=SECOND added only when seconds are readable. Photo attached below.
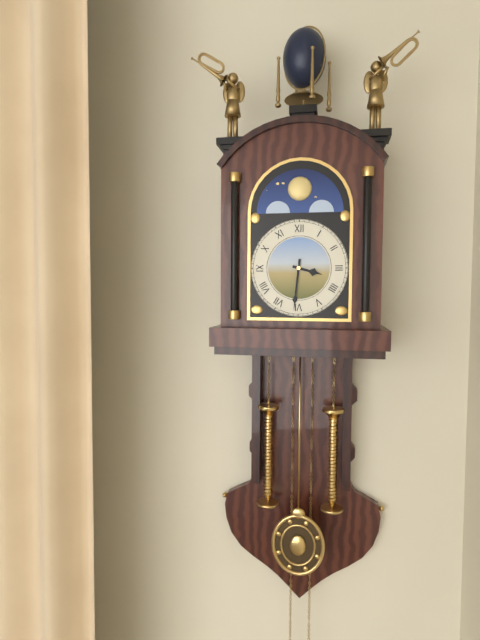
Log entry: h=3 m=31
